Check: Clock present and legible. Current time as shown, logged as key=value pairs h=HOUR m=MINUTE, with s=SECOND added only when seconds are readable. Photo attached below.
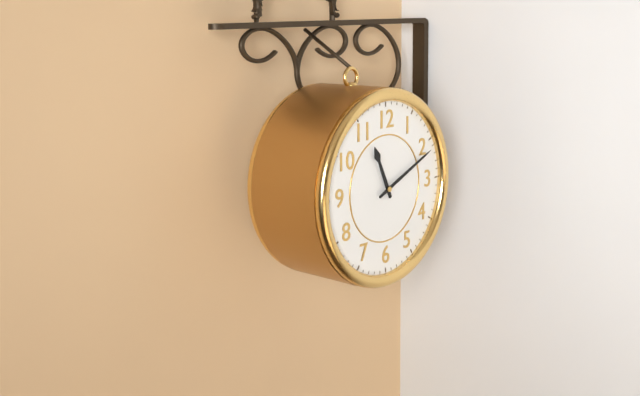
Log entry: h=11 m=11
